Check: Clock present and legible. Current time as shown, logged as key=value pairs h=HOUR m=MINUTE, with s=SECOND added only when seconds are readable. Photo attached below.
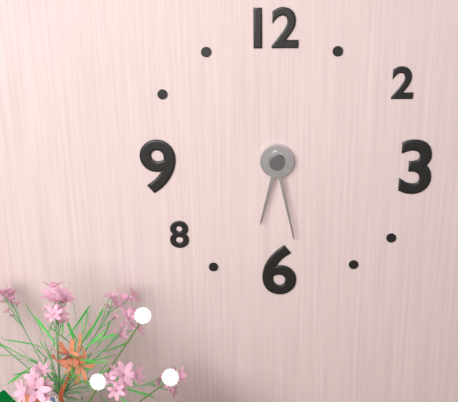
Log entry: h=6 m=28
